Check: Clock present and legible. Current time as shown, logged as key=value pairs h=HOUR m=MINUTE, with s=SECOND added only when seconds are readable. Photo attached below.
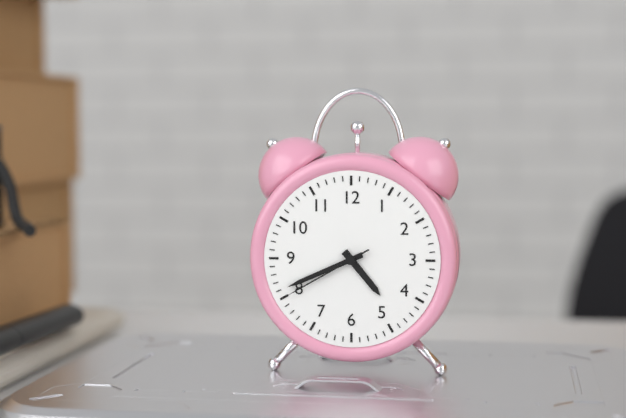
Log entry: h=4 m=41 s=40
